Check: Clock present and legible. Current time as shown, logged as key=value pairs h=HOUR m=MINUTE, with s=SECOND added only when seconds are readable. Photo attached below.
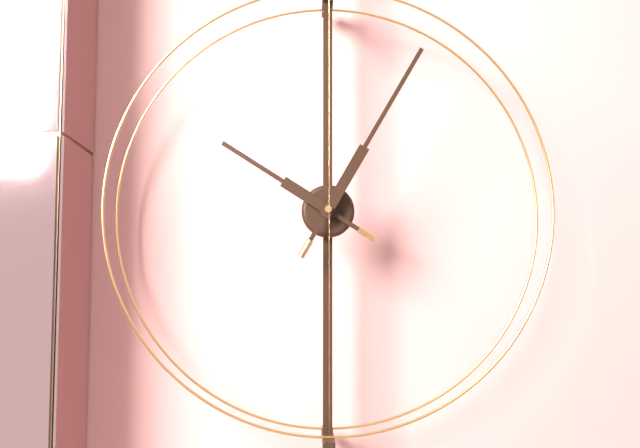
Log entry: h=10 m=5
